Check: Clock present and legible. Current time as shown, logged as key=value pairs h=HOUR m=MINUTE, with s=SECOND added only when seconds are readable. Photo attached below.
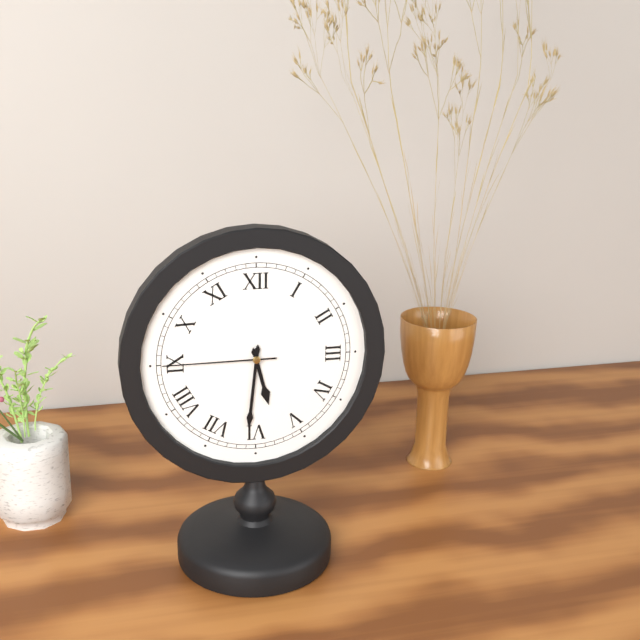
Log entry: h=5 m=31 s=45
